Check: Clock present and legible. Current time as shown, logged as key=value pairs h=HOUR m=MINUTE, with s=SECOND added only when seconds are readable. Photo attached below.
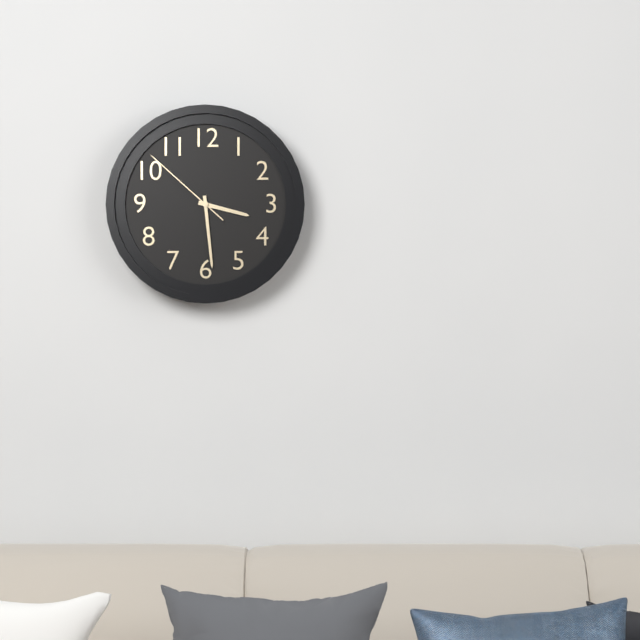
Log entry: h=3 m=29 s=52
